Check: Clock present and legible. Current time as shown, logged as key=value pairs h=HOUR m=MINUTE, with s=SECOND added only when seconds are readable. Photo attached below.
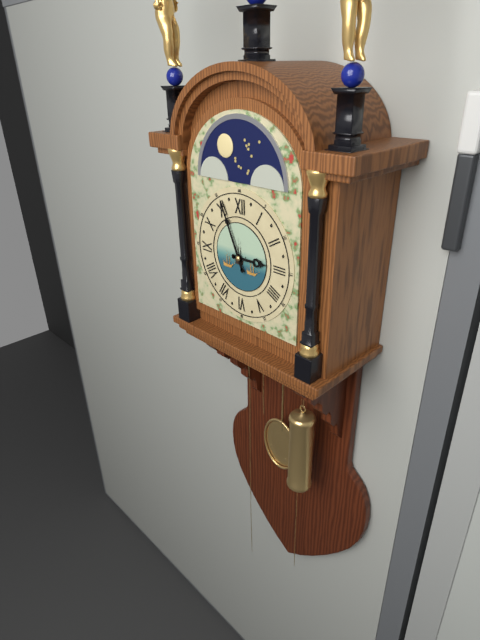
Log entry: h=2 m=56
